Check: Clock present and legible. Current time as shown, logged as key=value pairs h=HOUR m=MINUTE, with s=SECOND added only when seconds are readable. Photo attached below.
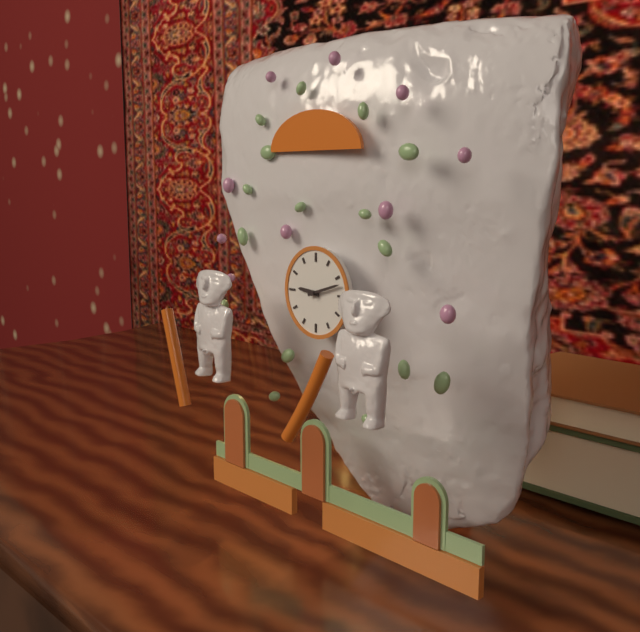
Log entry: h=9 m=12
